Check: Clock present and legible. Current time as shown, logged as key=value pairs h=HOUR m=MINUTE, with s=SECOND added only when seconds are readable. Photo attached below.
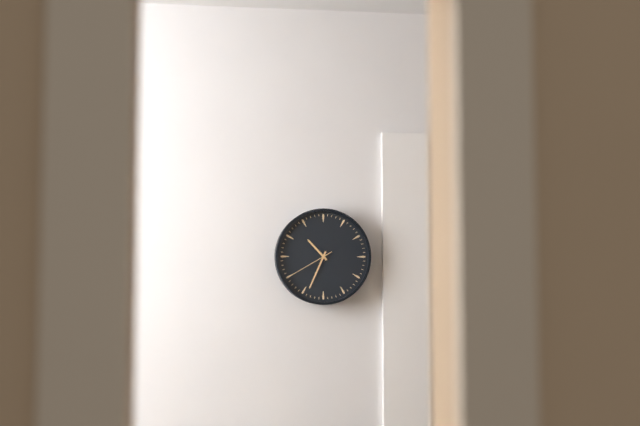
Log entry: h=10 m=34
